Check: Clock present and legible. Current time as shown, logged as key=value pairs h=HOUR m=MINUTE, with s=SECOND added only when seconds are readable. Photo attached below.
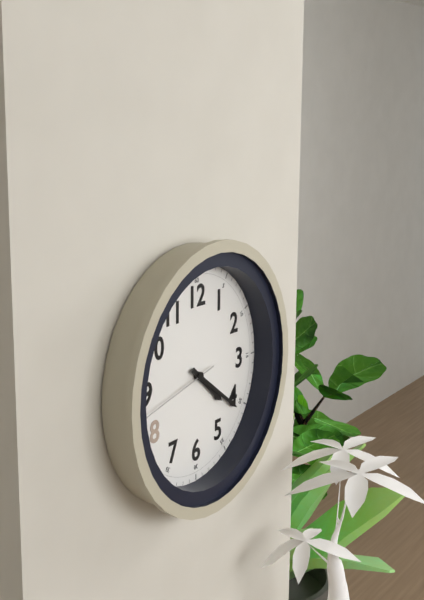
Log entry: h=4 m=21 s=43
